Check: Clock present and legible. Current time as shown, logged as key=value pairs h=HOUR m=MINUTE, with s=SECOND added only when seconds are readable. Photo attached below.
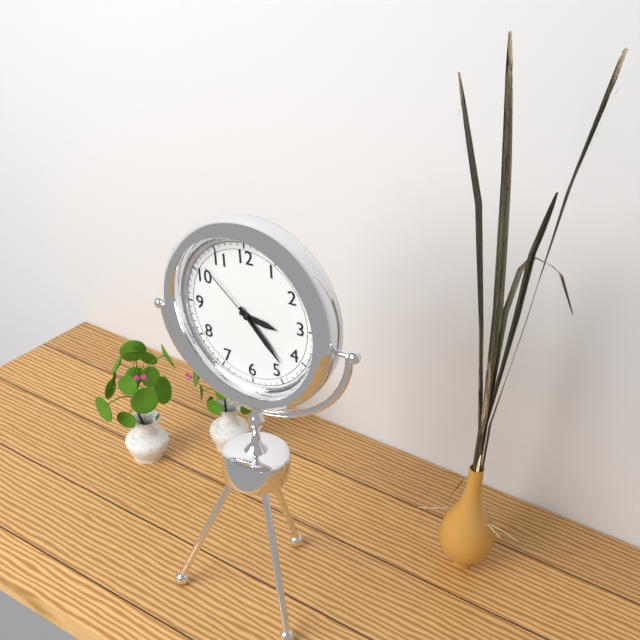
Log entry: h=3 m=23 s=52
